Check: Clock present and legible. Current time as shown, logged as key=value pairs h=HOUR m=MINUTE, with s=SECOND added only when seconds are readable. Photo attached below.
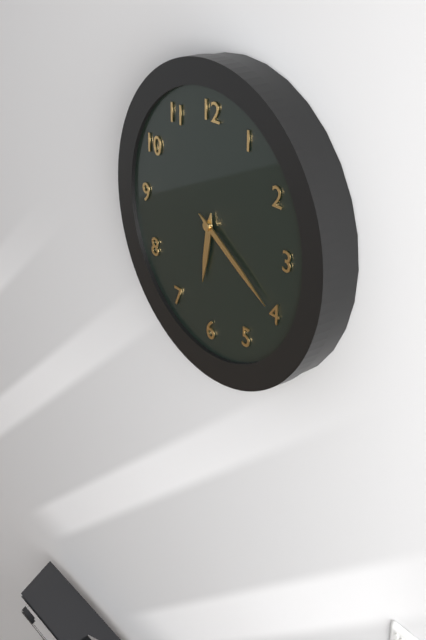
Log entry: h=6 m=20
